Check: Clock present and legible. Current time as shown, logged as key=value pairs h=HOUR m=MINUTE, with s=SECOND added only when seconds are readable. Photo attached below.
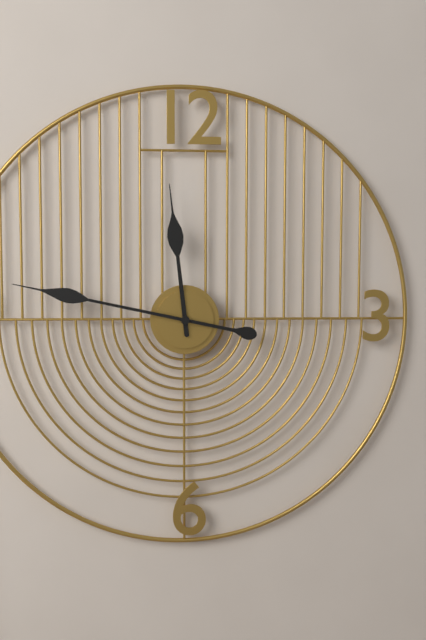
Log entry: h=11 m=47
